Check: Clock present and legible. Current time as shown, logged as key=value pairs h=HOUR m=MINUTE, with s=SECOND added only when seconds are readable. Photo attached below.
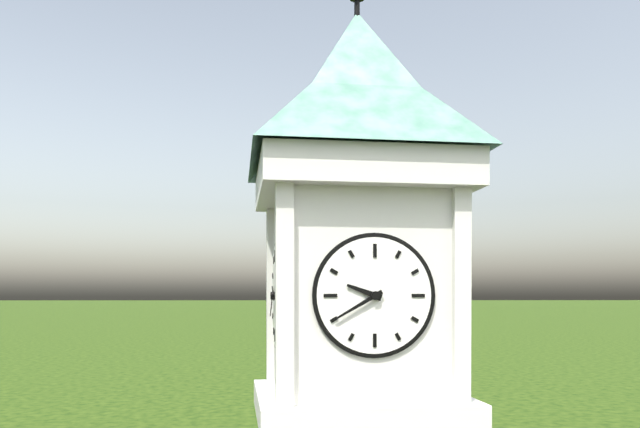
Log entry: h=9 m=40
